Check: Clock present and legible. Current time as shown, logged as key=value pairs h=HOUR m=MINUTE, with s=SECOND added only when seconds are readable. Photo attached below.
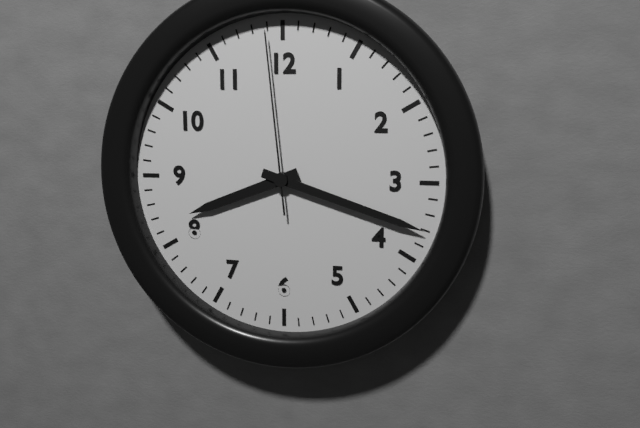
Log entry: h=8 m=18 s=59
